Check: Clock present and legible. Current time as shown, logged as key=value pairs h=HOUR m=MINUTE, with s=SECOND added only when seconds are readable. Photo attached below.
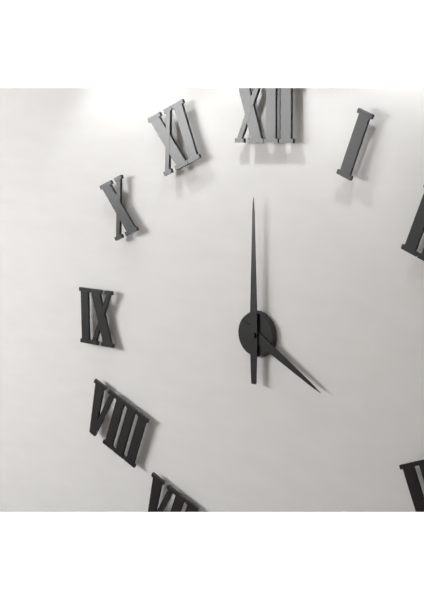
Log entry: h=4 m=0
